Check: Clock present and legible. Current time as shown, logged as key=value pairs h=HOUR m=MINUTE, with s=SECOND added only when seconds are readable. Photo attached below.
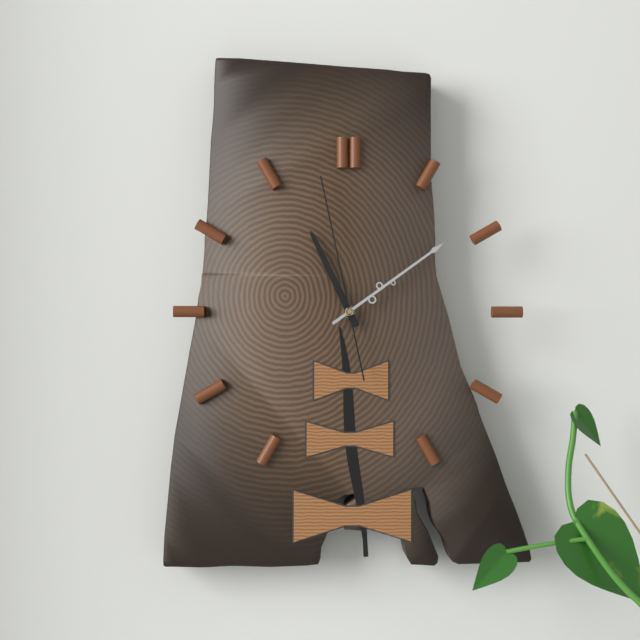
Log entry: h=11 m=9 s=58
